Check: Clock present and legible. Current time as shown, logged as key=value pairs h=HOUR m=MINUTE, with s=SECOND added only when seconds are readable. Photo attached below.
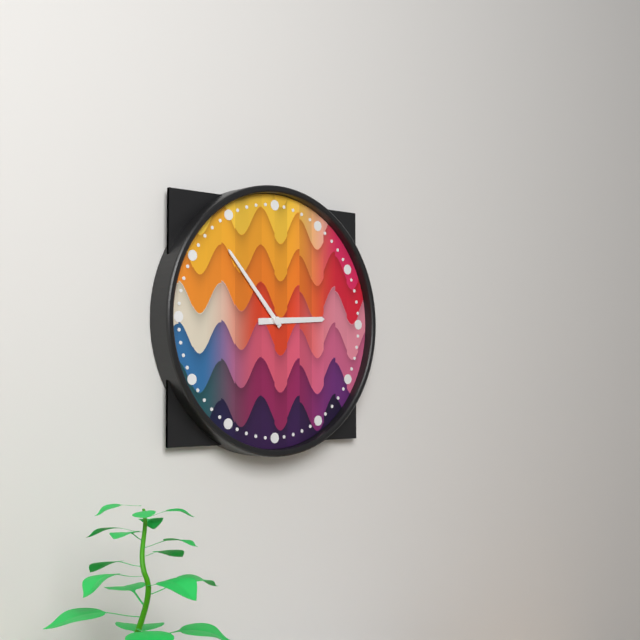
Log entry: h=2 m=53
